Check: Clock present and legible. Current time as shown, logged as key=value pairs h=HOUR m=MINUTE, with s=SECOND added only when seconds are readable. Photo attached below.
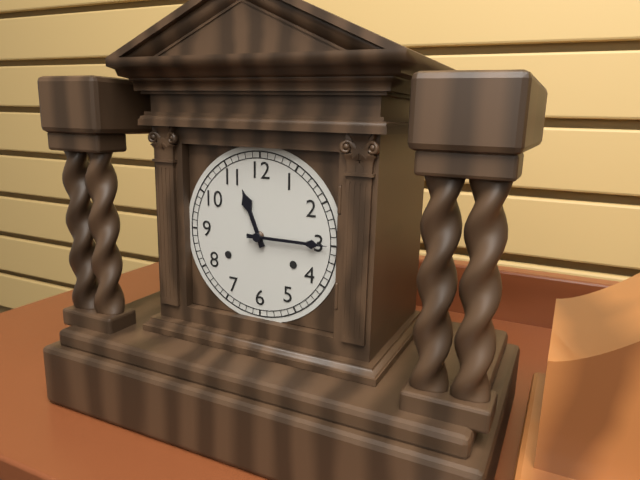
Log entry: h=11 m=15
